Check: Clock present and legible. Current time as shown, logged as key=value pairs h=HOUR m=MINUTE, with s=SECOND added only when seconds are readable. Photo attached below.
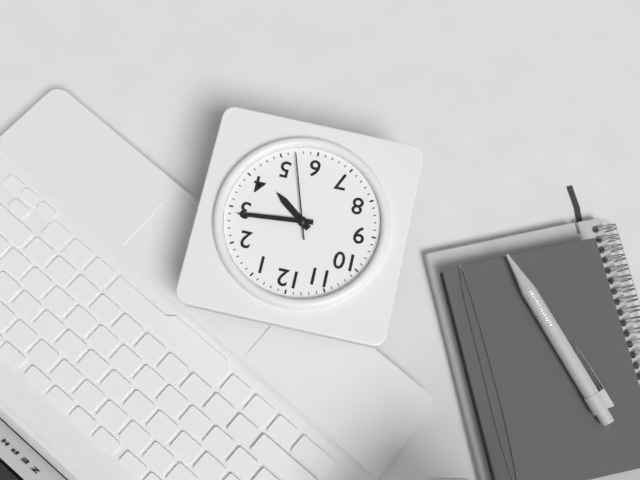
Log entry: h=4 m=14 s=27
